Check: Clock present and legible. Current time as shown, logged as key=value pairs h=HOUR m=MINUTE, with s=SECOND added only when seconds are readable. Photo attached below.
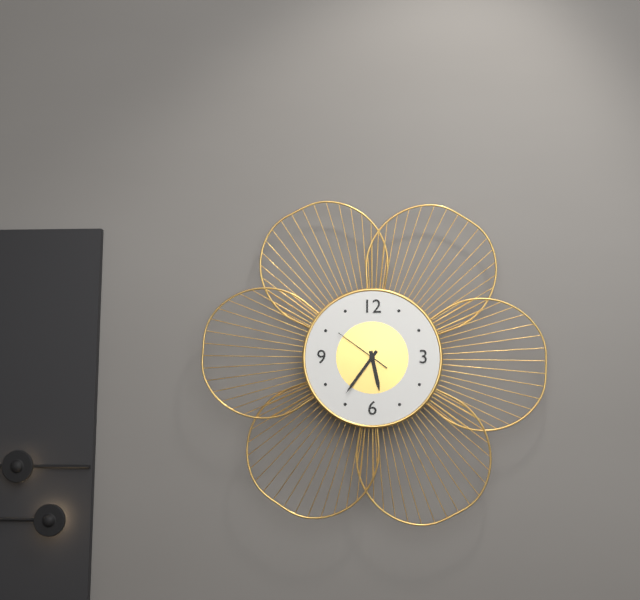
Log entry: h=5 m=36 s=51
